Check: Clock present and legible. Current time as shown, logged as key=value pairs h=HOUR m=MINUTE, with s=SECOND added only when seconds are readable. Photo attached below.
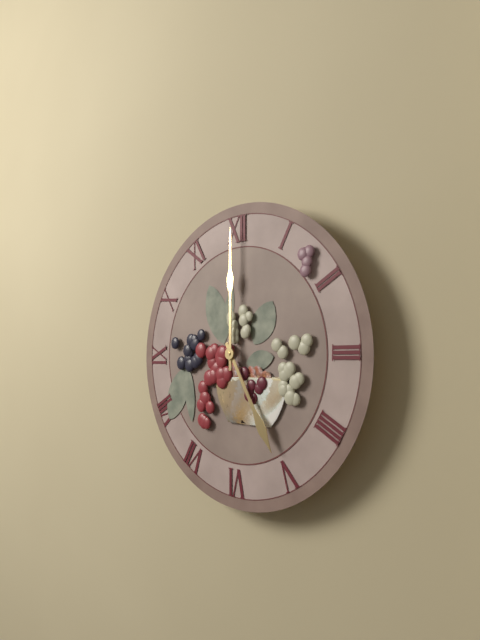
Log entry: h=5 m=0
